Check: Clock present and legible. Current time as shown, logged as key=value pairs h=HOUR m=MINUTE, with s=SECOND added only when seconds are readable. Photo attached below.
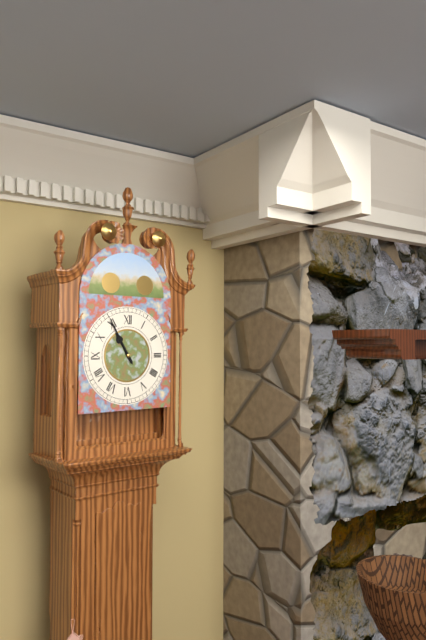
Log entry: h=10 m=55
